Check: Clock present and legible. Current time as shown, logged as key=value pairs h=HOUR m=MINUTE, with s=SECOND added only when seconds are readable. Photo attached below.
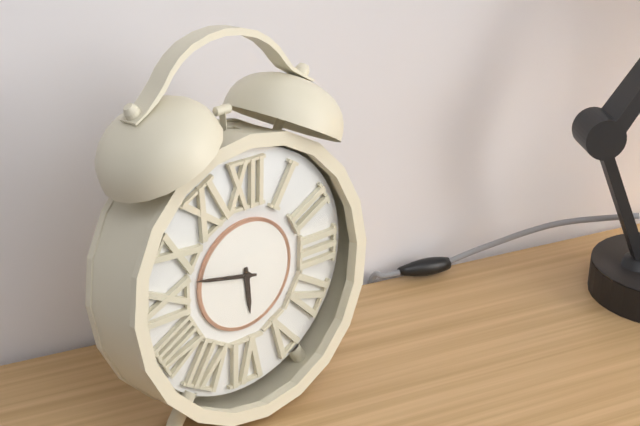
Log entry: h=5 m=47
